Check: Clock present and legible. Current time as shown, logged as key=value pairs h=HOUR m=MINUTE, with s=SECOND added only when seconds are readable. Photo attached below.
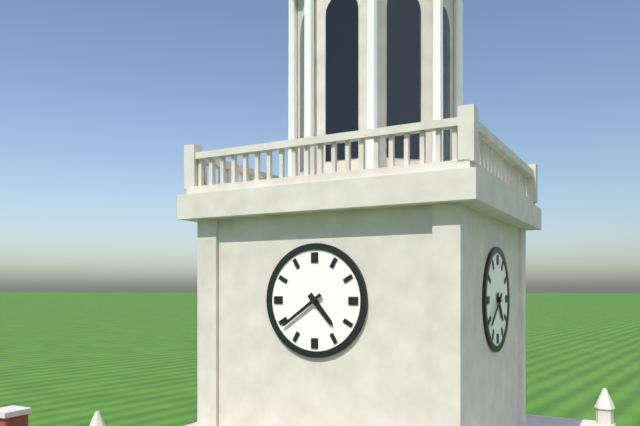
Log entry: h=4 m=39
